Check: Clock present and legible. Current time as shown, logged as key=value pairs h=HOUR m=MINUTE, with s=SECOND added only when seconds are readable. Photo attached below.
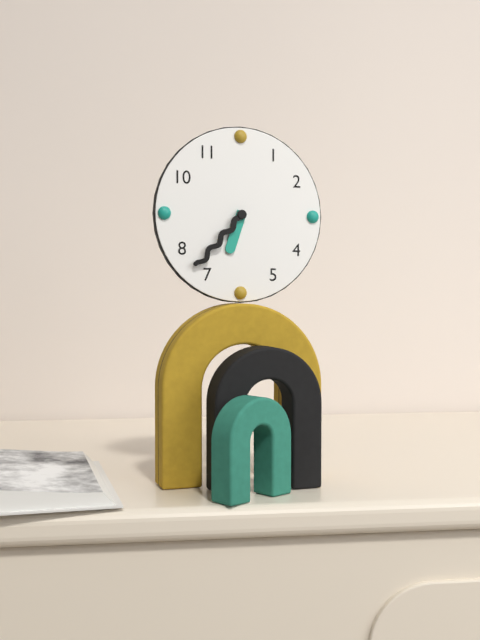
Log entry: h=6 m=37
